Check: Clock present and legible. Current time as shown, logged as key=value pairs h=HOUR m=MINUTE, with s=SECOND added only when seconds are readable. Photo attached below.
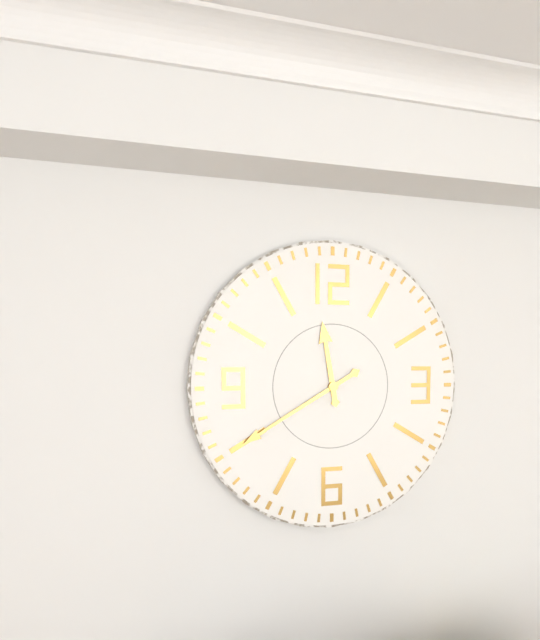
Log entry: h=11 m=40
